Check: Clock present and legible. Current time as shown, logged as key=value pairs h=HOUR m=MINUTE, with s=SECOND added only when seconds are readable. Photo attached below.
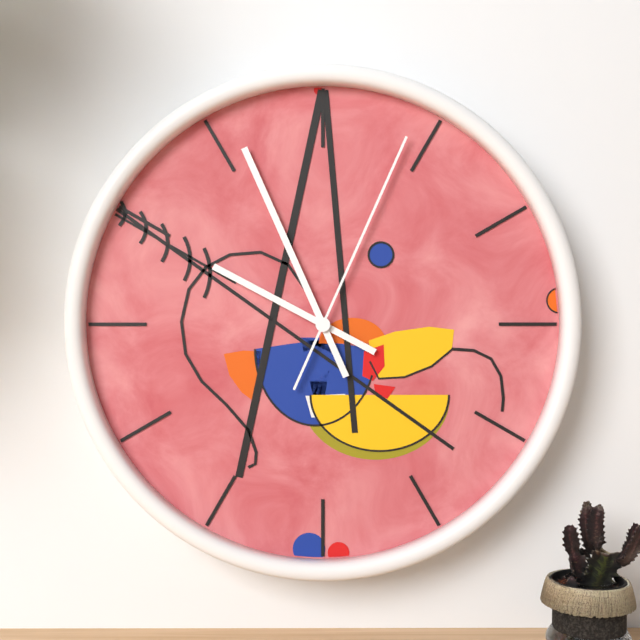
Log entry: h=9 m=56 s=4
